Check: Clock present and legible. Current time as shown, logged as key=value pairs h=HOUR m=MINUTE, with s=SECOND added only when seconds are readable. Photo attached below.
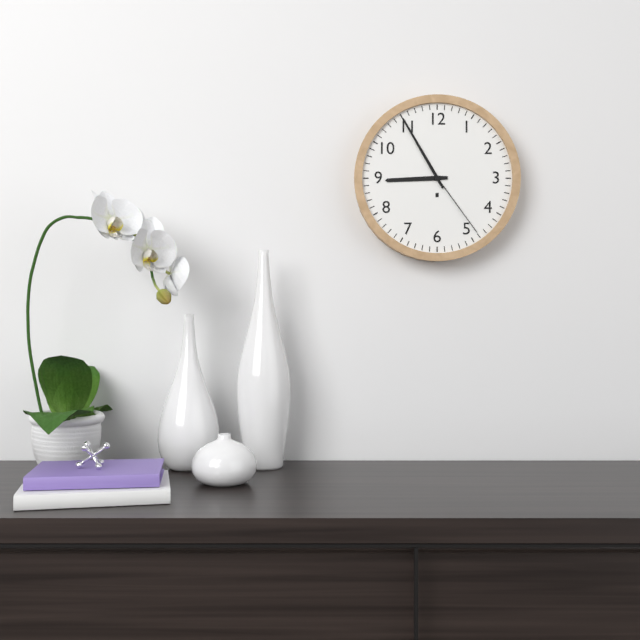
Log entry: h=8 m=55 s=24
